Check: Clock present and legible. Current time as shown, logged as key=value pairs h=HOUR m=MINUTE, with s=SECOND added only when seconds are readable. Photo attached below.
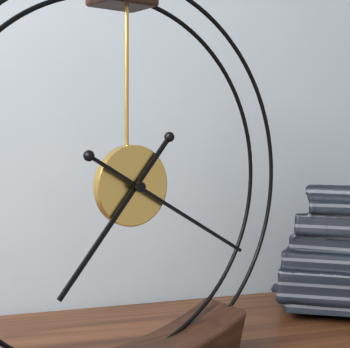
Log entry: h=7 m=20
